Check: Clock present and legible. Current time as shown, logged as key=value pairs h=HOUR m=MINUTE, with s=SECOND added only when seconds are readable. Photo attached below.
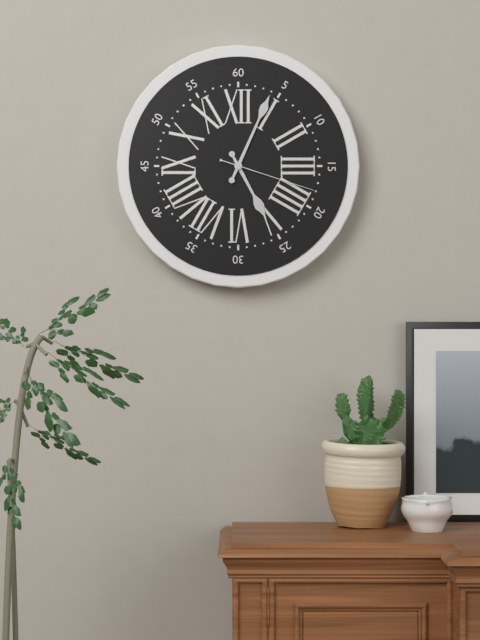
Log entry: h=5 m=4 s=18
